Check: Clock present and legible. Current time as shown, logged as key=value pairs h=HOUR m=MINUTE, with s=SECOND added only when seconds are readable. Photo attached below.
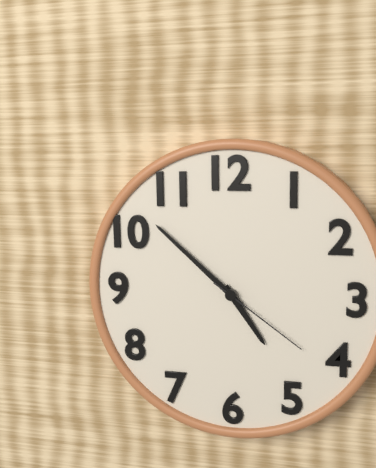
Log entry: h=4 m=52 s=21
